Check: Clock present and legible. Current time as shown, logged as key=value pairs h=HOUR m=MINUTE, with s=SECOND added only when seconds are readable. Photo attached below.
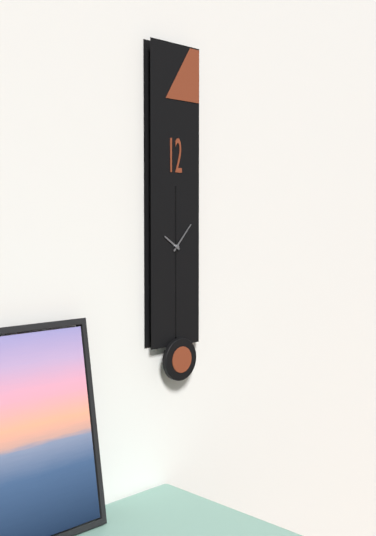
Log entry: h=10 m=7
